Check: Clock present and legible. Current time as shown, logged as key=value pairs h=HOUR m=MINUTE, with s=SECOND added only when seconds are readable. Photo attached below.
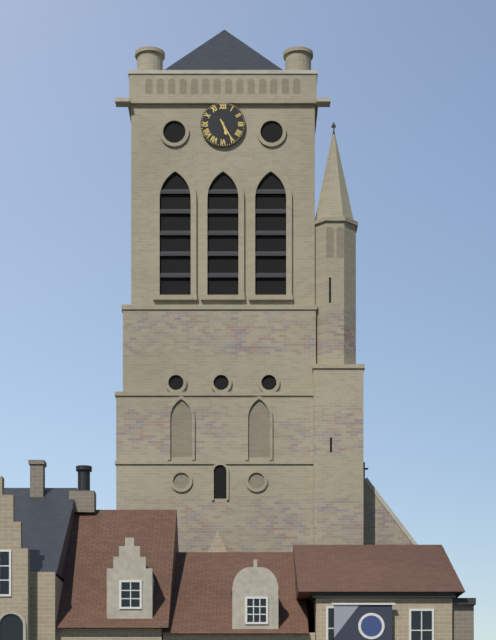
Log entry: h=5 m=25
